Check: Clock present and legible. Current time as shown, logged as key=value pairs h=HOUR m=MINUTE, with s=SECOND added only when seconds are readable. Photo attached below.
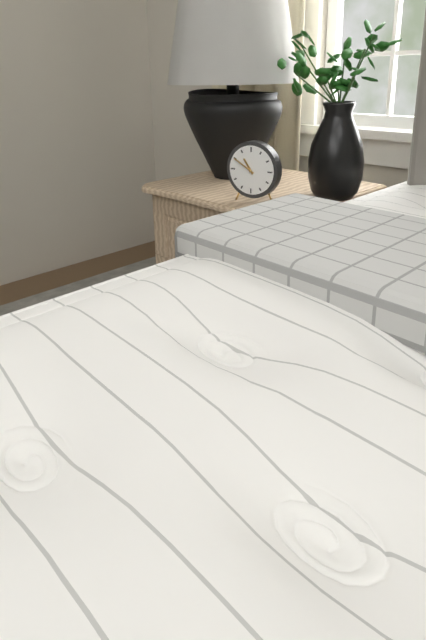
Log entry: h=10 m=50
